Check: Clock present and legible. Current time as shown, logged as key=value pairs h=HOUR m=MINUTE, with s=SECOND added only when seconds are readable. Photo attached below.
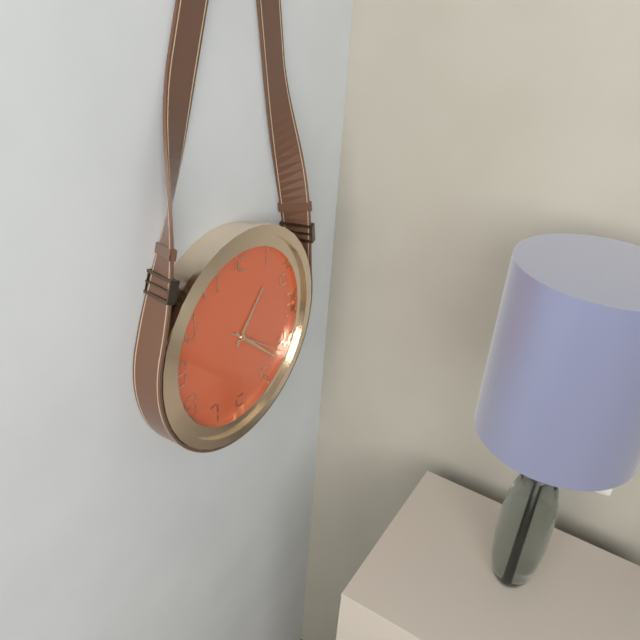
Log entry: h=1 m=22 s=21
